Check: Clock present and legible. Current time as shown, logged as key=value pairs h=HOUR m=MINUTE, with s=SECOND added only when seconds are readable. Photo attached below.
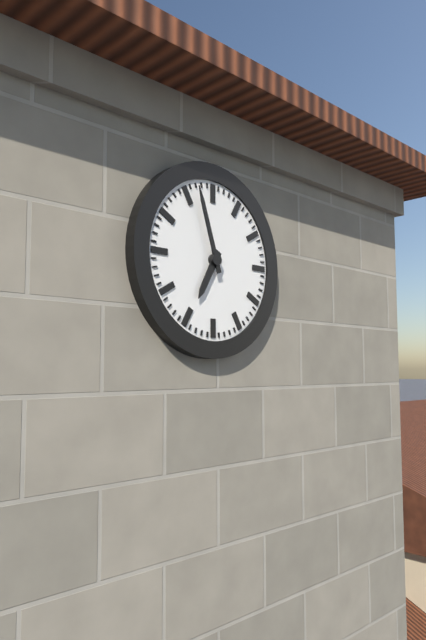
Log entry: h=6 m=57
